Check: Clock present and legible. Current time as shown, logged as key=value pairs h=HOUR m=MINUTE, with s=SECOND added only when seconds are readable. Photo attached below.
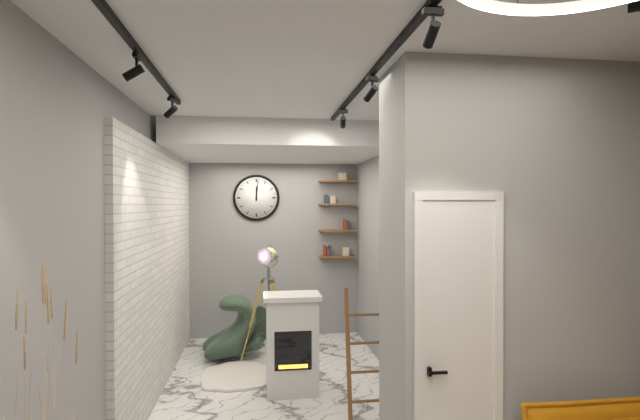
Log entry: h=12 m=1
